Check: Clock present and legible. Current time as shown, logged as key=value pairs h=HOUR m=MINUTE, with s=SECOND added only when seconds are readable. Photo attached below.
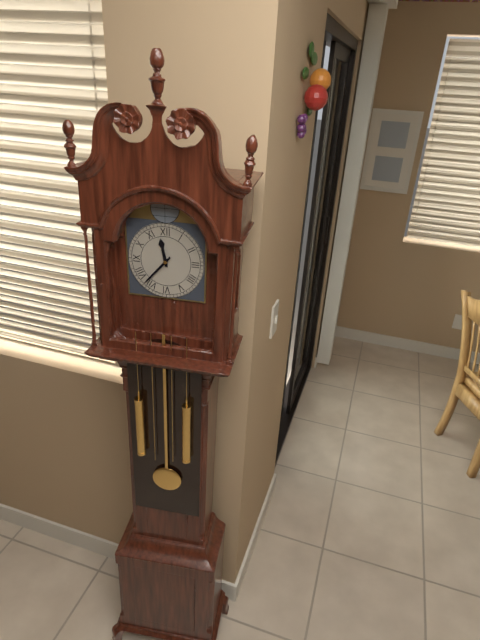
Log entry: h=11 m=37
